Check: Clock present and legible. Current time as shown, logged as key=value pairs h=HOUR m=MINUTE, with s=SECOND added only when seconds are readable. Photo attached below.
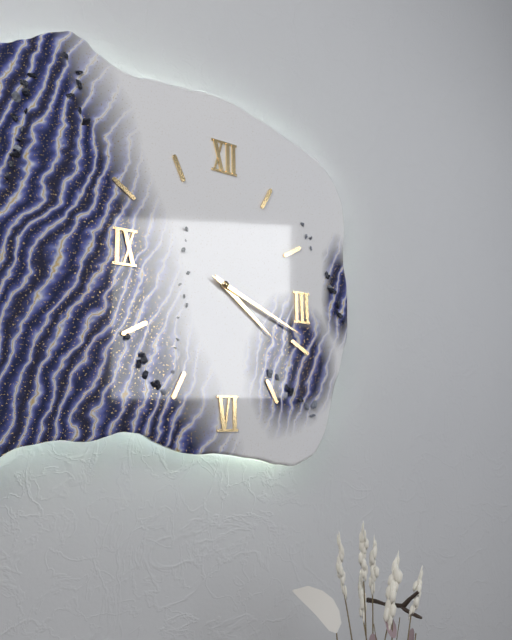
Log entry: h=4 m=19
